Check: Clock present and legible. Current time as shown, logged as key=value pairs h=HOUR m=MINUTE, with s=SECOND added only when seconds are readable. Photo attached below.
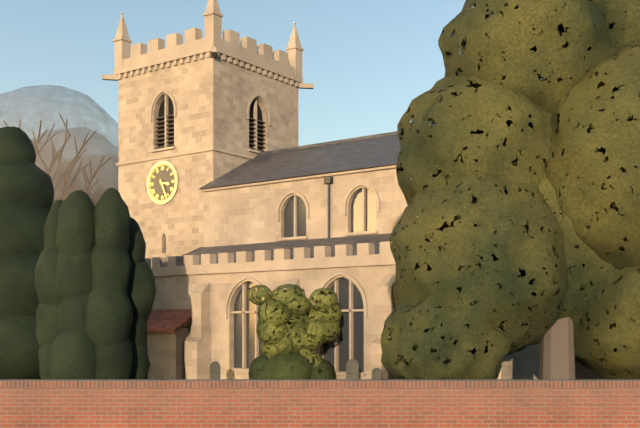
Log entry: h=3 m=26
